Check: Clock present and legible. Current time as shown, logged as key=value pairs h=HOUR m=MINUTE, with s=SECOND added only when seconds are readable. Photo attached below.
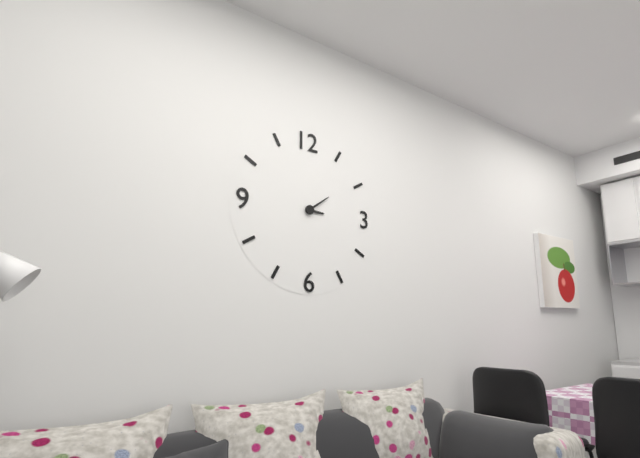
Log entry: h=3 m=9
